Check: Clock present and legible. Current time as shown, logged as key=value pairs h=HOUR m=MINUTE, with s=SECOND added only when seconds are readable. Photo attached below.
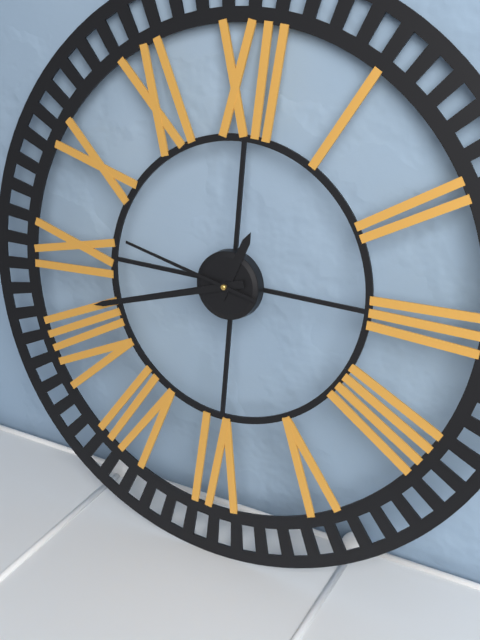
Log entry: h=12 m=42 s=47
